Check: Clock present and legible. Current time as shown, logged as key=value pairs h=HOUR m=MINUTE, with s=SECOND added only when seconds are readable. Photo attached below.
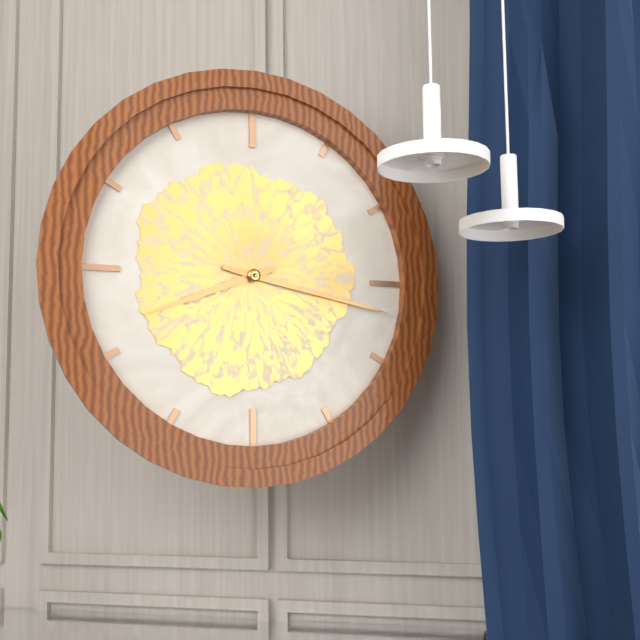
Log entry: h=8 m=17
